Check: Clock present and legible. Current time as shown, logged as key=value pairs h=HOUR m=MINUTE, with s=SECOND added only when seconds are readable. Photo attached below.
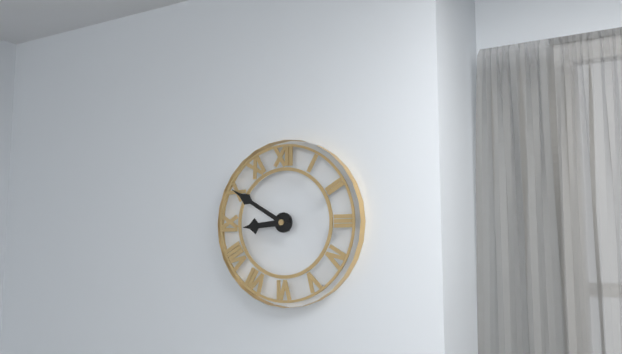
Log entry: h=8 m=50
